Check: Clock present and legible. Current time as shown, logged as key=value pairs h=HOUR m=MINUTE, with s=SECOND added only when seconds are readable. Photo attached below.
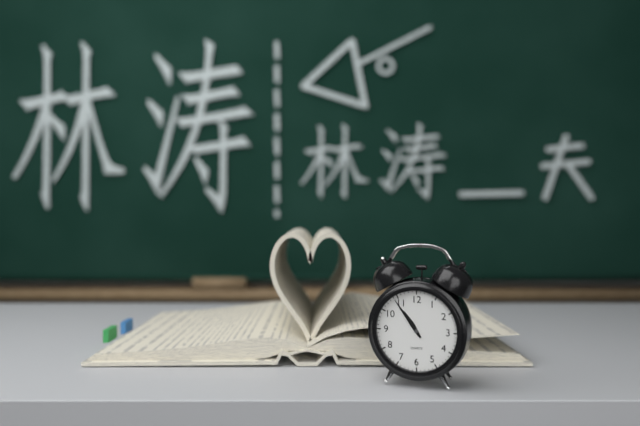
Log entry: h=10 m=54
